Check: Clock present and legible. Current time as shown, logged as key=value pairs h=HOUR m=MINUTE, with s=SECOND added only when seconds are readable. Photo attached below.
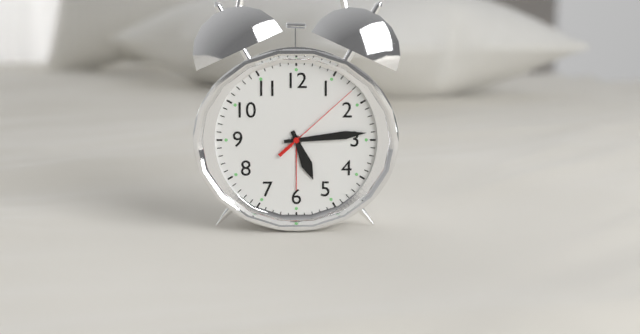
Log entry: h=5 m=14 s=8
